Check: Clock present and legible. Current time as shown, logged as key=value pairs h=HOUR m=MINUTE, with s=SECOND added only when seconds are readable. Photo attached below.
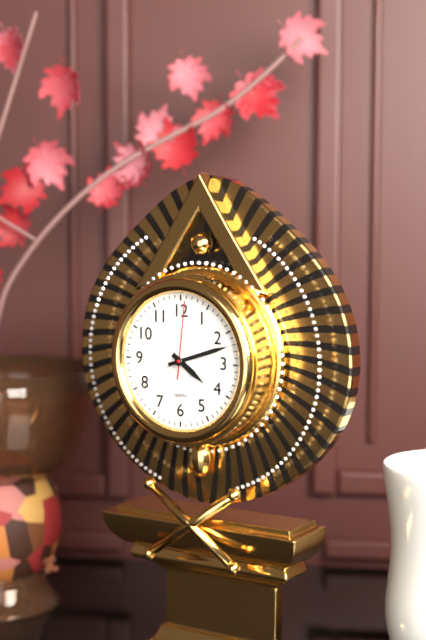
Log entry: h=4 m=12 s=1
